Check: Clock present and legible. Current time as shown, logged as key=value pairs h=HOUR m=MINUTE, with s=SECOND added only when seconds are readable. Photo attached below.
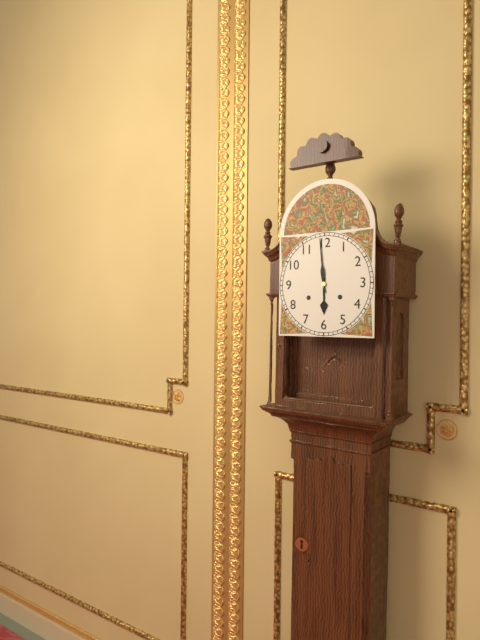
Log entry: h=5 m=59
